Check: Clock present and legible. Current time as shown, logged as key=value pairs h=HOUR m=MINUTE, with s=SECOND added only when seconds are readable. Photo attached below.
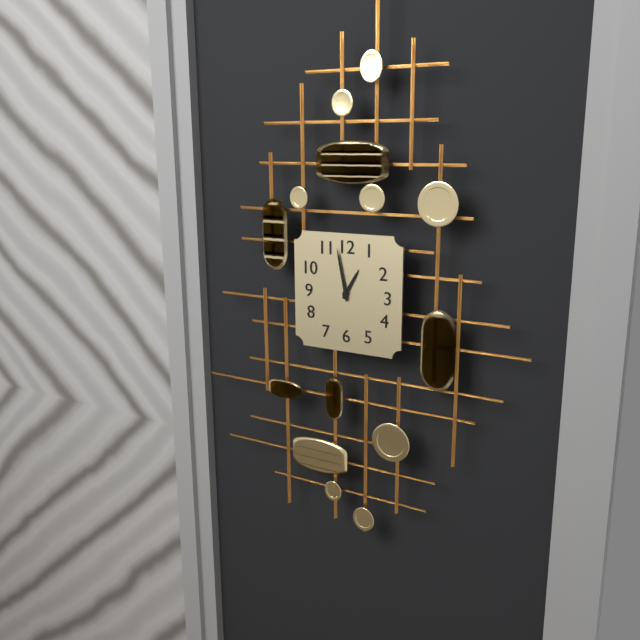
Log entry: h=12 m=58
